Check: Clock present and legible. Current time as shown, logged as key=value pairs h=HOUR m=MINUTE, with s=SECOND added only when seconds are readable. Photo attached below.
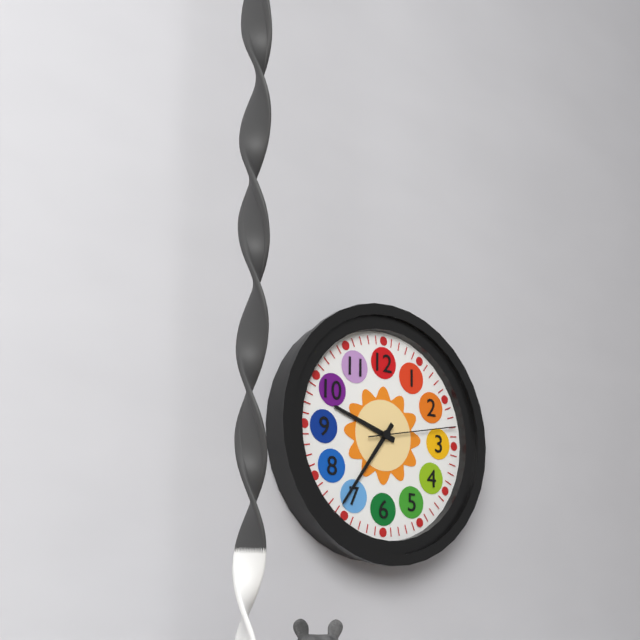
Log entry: h=9 m=36 s=13
